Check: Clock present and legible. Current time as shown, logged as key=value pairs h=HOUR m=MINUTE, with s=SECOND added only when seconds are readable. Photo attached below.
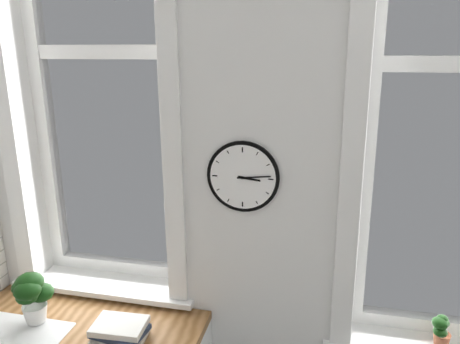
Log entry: h=3 m=14
